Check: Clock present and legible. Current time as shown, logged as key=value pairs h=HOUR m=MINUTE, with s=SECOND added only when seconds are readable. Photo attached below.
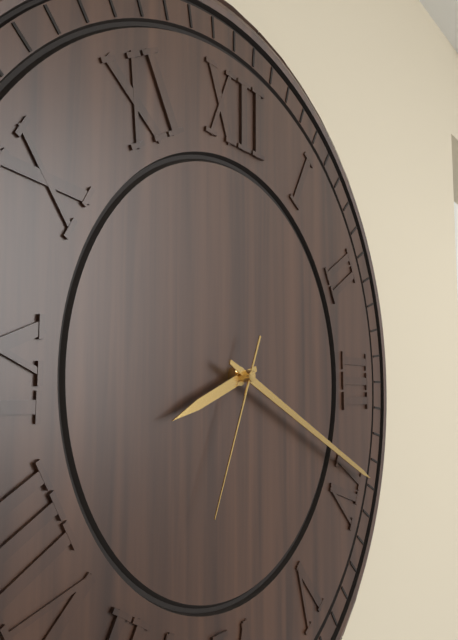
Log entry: h=8 m=19 s=34
